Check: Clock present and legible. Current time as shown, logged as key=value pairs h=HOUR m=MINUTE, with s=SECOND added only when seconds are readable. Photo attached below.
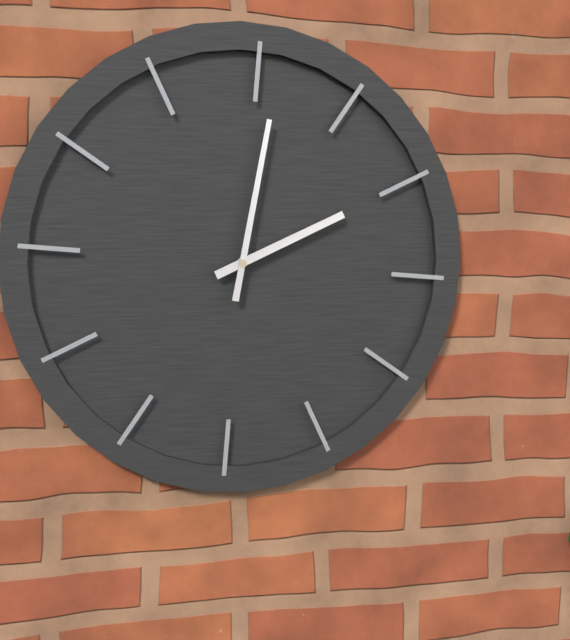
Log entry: h=2 m=1
